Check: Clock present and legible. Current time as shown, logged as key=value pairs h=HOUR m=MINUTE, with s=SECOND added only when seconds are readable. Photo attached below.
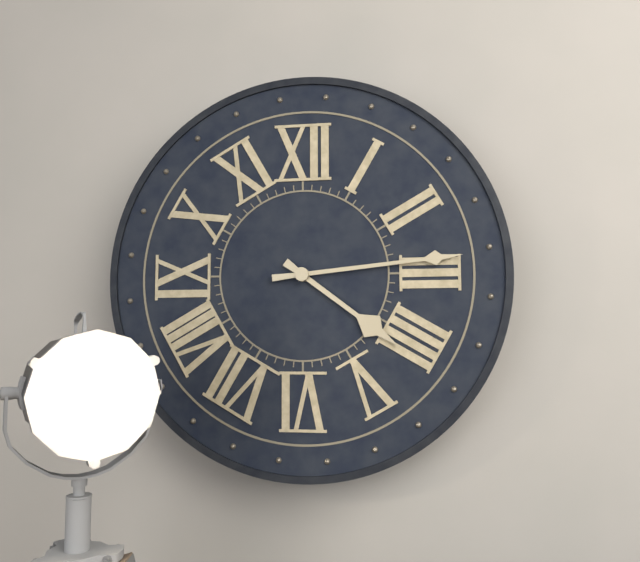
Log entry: h=4 m=14
